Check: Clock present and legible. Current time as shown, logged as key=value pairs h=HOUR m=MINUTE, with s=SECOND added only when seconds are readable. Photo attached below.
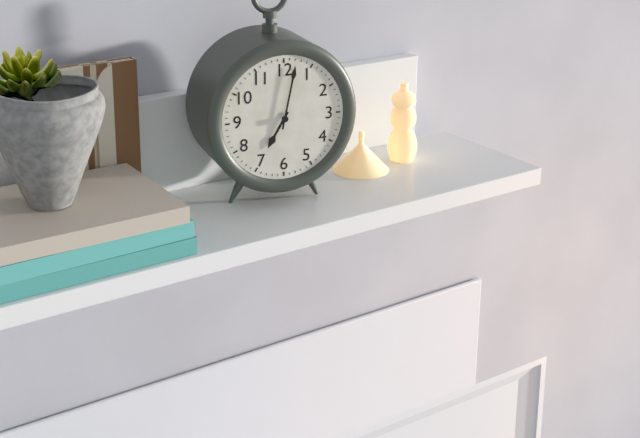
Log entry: h=7 m=2
